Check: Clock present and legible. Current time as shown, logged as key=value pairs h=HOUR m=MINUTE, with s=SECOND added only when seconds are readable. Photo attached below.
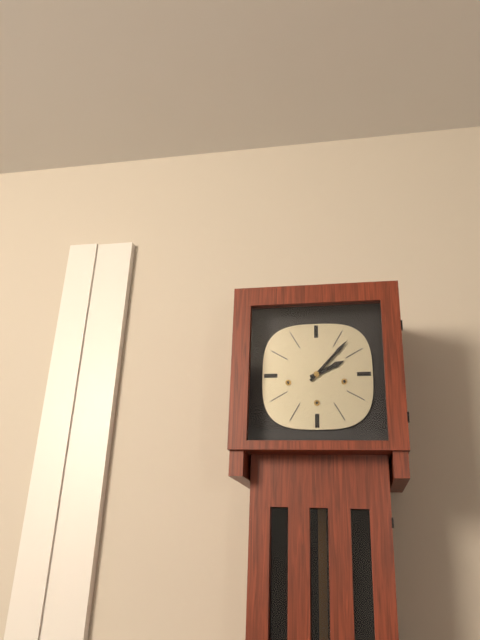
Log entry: h=2 m=7
